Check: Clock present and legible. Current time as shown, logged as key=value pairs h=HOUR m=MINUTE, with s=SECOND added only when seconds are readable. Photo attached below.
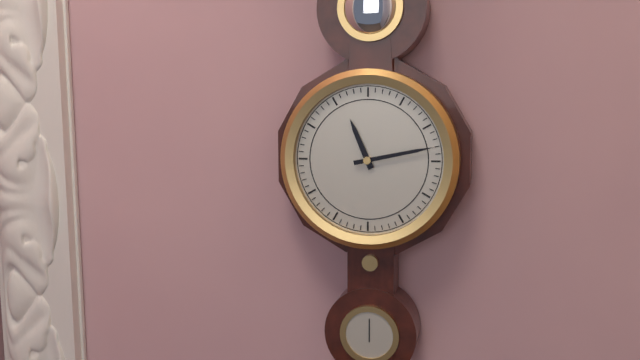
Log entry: h=11 m=13
